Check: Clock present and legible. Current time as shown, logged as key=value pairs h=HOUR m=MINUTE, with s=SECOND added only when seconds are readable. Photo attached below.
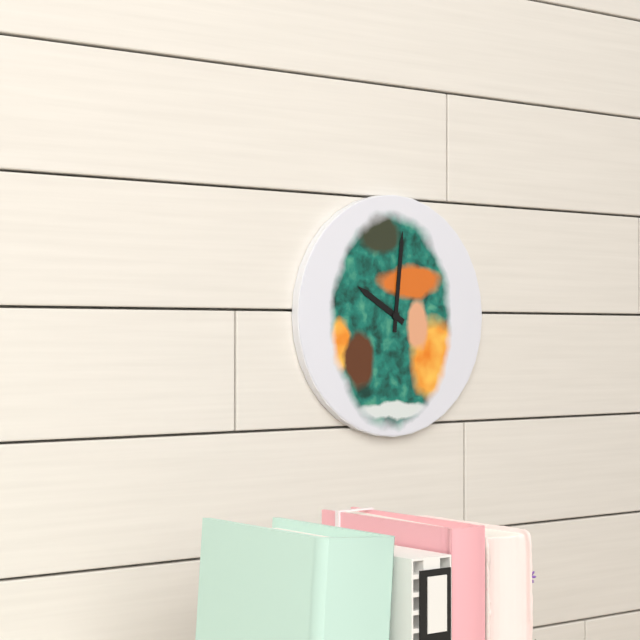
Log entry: h=10 m=1
